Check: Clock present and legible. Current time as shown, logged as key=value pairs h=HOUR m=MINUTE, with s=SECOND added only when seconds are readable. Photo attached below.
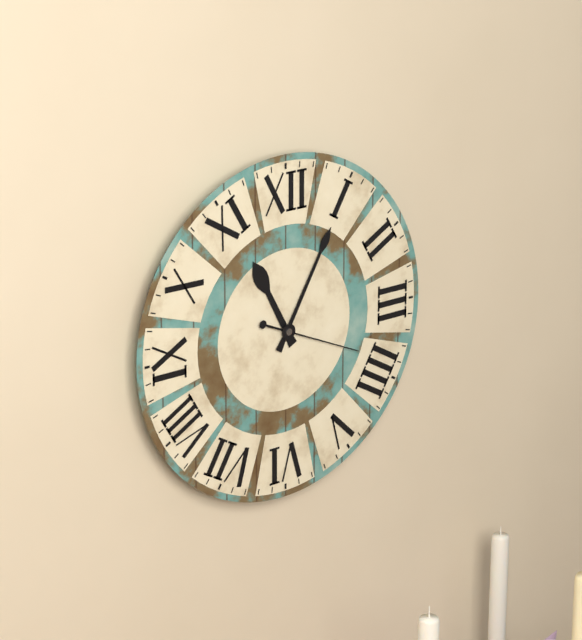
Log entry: h=11 m=5 s=19
